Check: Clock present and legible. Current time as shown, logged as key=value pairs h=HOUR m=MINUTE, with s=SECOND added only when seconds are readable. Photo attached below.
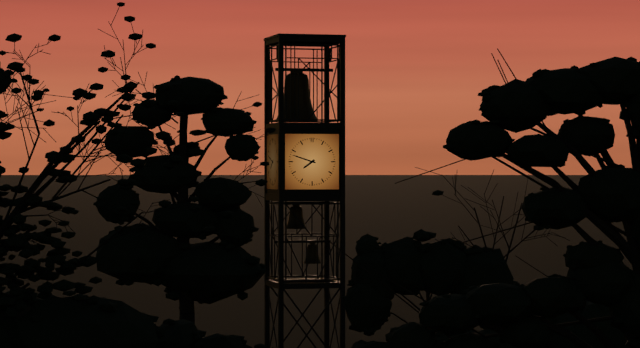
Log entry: h=7 m=48
